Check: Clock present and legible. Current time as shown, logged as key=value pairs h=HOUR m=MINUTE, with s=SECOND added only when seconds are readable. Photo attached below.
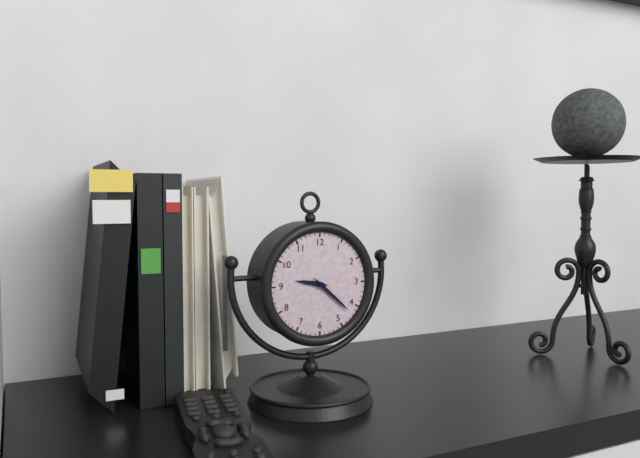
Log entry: h=9 m=22
